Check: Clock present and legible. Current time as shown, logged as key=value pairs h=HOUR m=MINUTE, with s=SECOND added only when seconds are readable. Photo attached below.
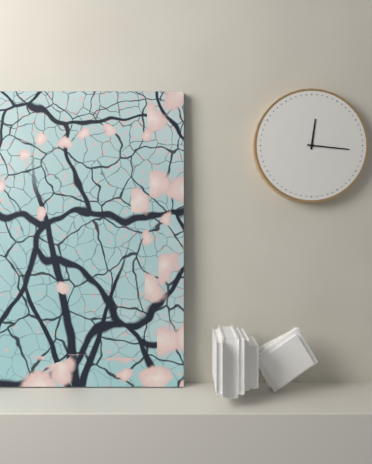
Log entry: h=12 m=16
